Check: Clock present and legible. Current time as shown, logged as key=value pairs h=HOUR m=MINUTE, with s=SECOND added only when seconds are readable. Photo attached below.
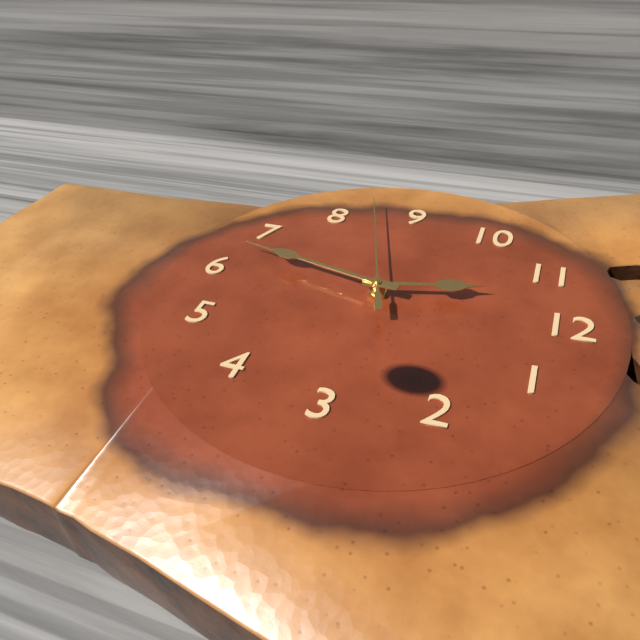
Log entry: h=11 m=32 s=42
